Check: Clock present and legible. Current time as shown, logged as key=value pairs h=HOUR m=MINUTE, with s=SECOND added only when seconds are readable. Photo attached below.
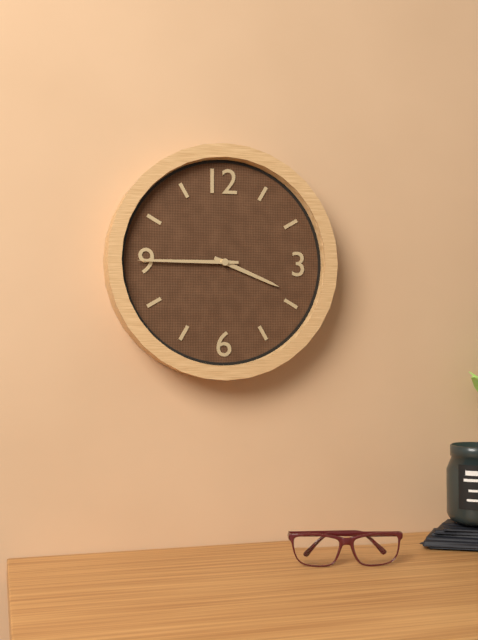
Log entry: h=3 m=45
